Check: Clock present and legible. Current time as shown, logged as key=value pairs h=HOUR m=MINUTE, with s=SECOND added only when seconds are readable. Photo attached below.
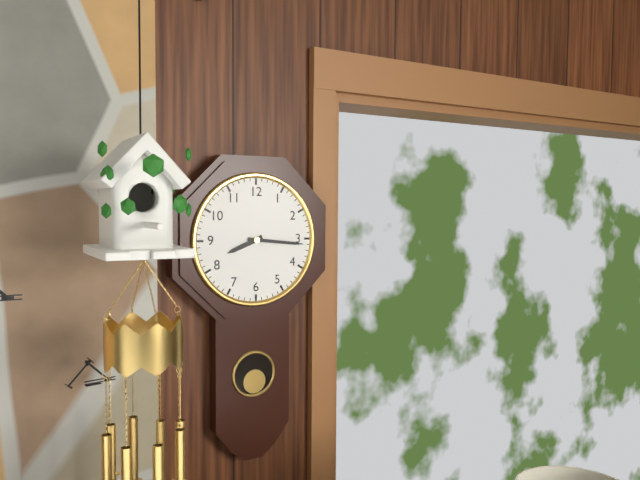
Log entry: h=8 m=16
